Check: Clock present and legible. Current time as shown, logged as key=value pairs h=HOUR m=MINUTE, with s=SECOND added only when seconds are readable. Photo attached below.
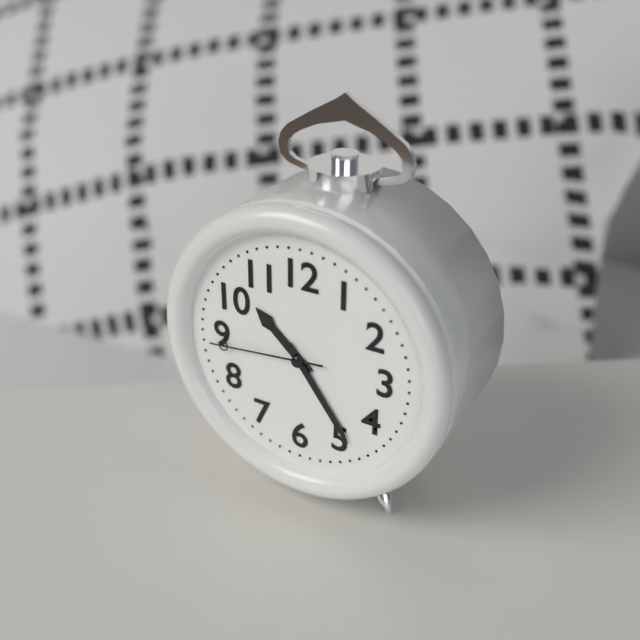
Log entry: h=10 m=24 s=44
